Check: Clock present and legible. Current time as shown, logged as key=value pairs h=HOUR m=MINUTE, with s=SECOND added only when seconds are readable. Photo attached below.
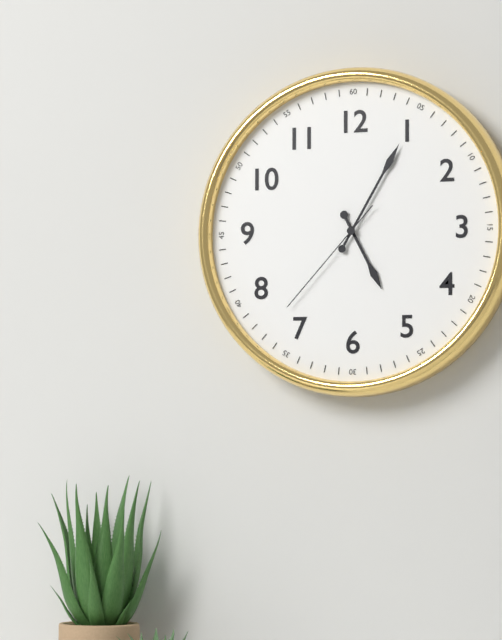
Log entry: h=5 m=5 s=37
